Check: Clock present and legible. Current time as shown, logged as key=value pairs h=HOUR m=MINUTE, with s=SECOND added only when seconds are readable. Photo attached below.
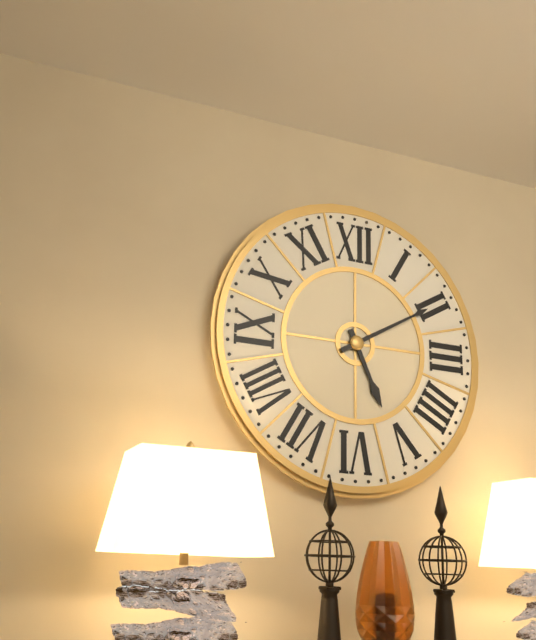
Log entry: h=5 m=10
